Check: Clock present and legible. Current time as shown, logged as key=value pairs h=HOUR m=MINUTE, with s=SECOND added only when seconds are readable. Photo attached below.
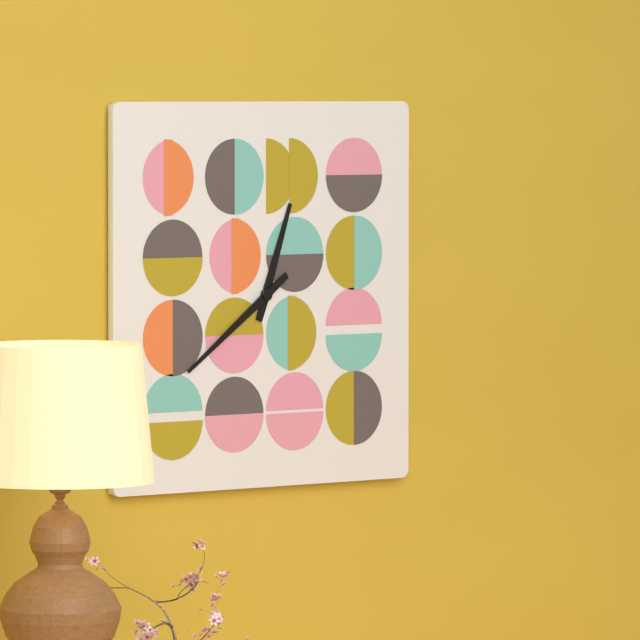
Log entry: h=12 m=39
